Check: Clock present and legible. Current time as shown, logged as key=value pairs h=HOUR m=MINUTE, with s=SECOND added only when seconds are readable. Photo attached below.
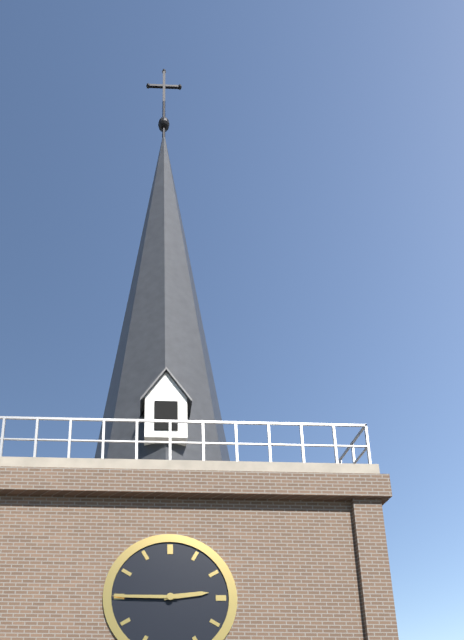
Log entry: h=2 m=45
